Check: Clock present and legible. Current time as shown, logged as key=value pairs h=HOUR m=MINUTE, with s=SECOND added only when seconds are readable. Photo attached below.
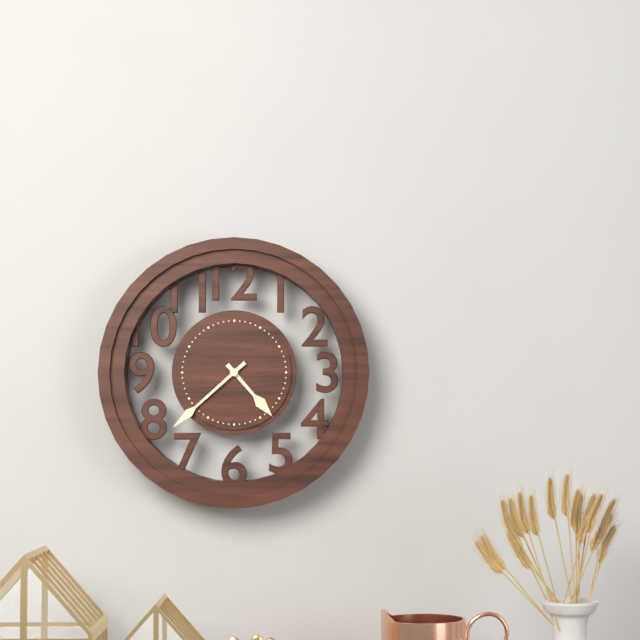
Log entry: h=4 m=38
